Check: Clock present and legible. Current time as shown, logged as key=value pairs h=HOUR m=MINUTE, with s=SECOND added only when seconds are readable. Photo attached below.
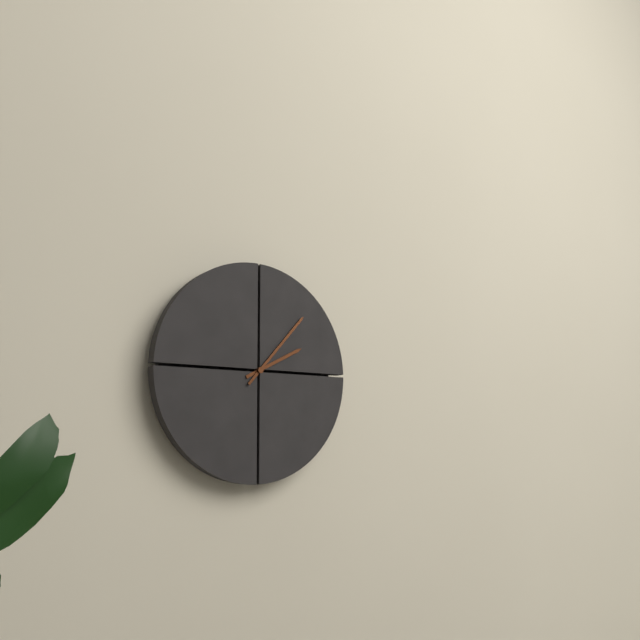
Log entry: h=2 m=7
